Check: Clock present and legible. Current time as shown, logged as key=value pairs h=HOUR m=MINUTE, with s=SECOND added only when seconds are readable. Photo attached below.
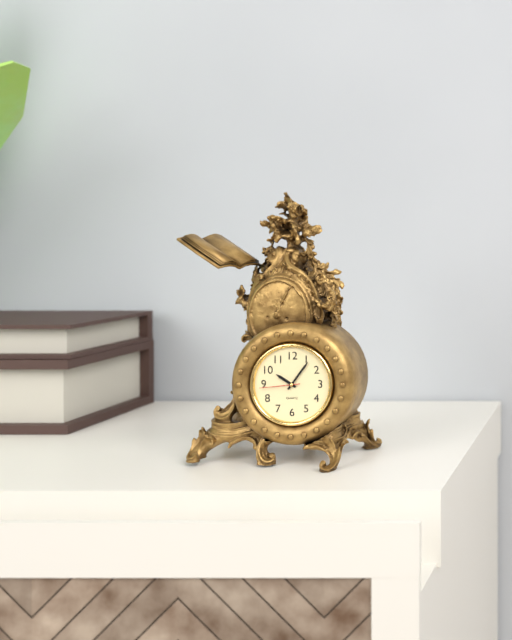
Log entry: h=10 m=6
